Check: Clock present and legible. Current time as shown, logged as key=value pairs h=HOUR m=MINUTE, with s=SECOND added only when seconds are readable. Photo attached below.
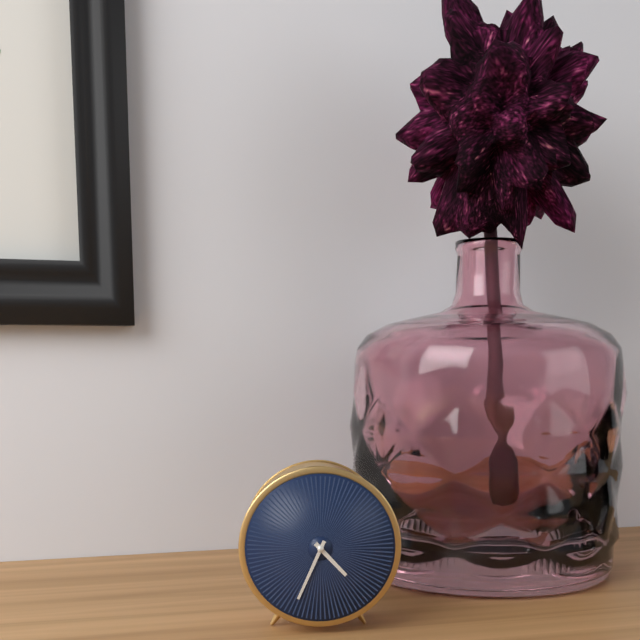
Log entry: h=4 m=34
